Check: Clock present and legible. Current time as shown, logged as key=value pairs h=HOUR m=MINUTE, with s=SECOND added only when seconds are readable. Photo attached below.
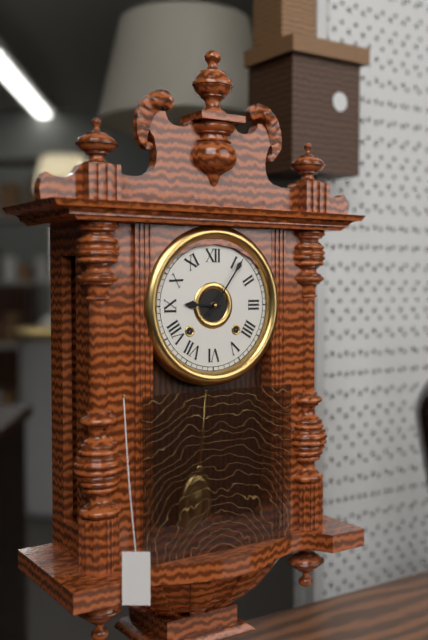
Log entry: h=9 m=6
